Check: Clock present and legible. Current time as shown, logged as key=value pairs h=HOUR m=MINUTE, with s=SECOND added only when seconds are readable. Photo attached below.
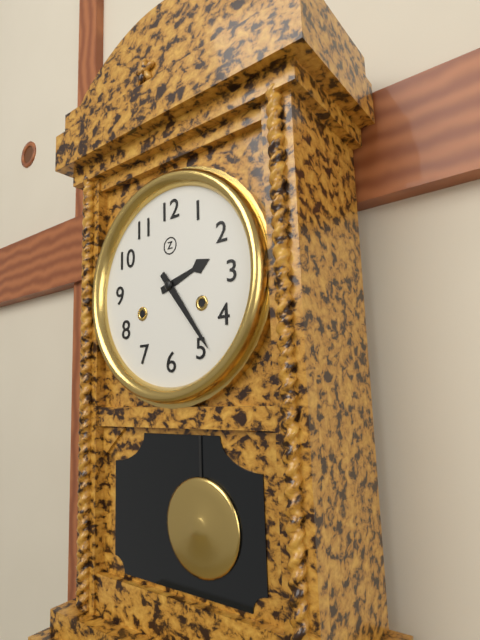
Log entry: h=2 m=24
